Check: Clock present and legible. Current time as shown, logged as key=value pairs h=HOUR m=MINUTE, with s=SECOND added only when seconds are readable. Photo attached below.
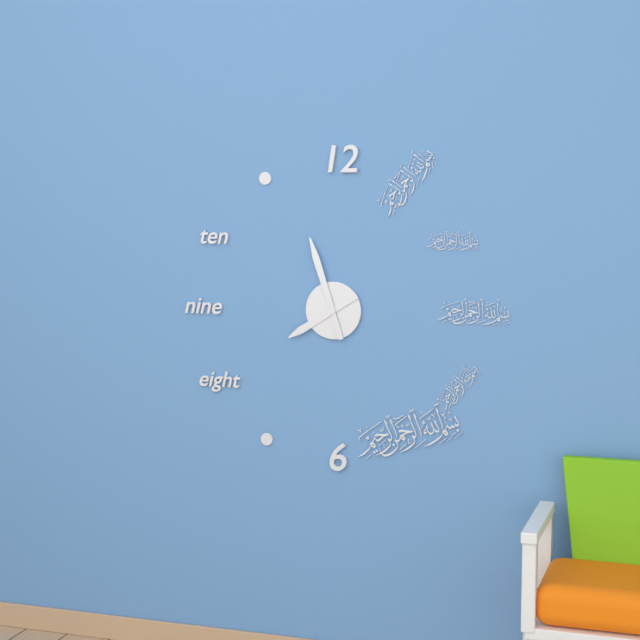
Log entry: h=7 m=57
